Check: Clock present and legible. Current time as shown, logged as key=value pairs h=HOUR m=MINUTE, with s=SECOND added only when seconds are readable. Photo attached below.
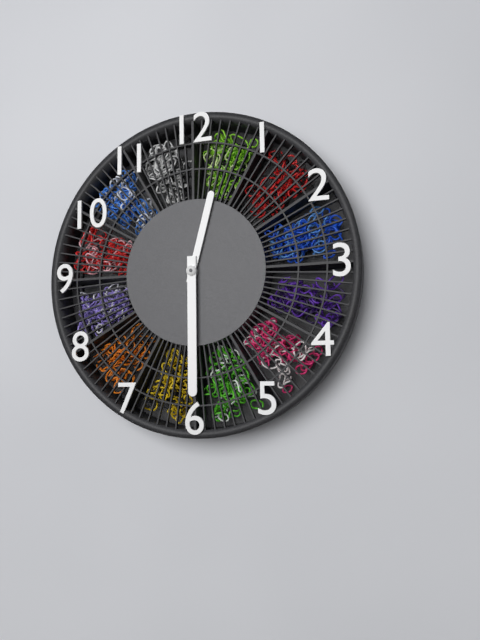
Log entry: h=12 m=30
